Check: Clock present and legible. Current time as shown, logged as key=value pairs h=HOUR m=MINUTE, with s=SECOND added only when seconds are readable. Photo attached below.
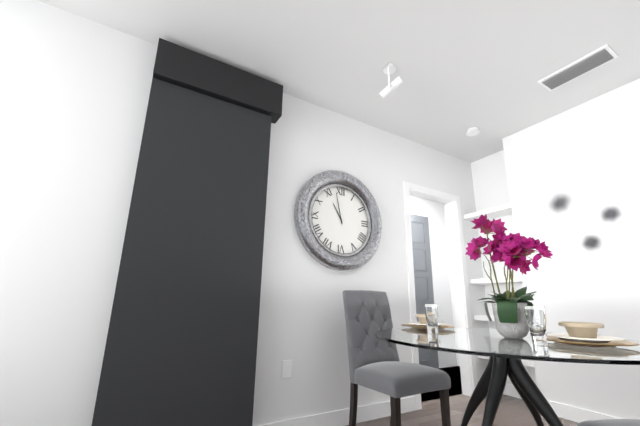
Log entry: h=10 m=58
